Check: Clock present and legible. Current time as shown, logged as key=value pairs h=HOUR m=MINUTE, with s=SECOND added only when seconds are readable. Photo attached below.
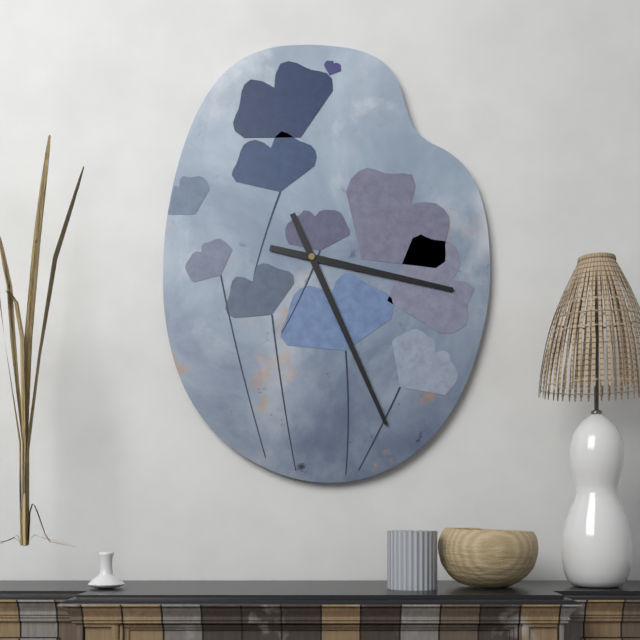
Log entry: h=3 m=26
